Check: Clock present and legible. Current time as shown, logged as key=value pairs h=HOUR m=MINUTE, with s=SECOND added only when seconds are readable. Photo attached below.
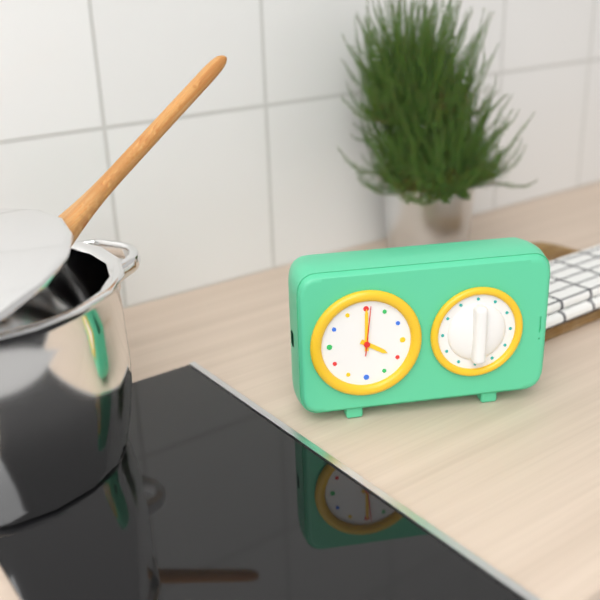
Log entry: h=4 m=0
